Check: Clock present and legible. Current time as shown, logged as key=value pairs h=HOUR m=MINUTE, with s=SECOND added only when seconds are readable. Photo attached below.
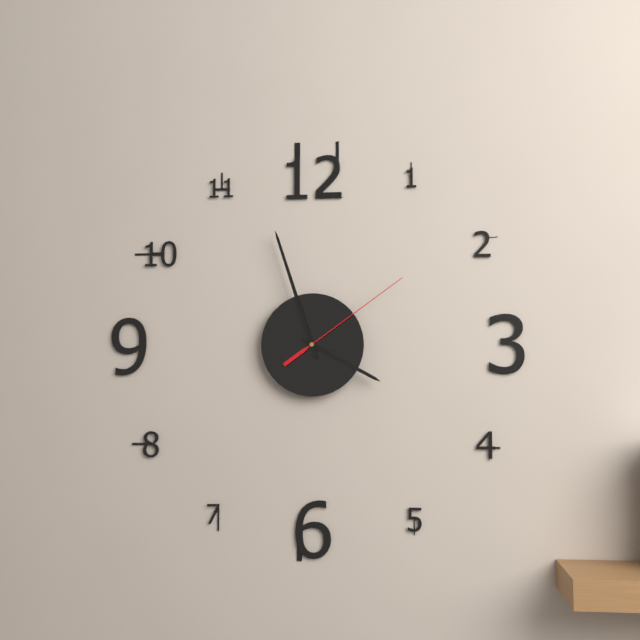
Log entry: h=3 m=57 s=9
